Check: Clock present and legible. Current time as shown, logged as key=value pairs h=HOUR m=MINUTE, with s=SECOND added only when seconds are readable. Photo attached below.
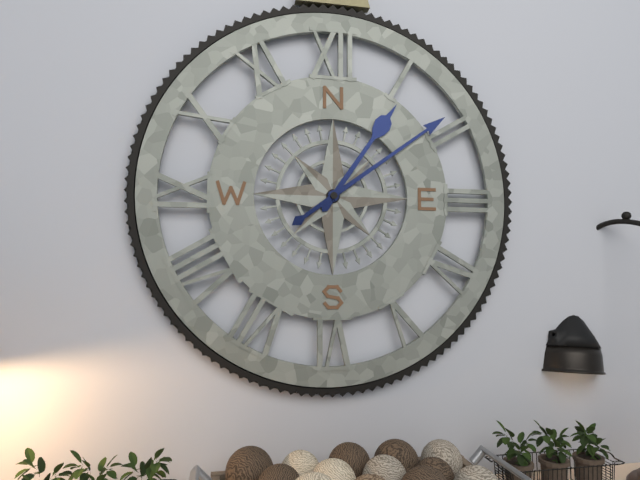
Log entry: h=1 m=9
